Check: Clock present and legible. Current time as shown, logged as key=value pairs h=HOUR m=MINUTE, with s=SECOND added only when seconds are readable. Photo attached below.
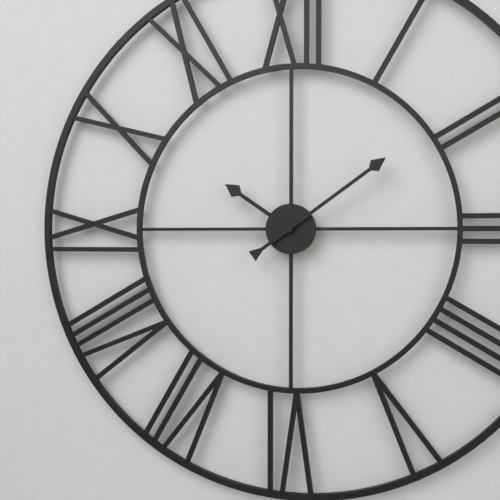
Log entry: h=10 m=9
